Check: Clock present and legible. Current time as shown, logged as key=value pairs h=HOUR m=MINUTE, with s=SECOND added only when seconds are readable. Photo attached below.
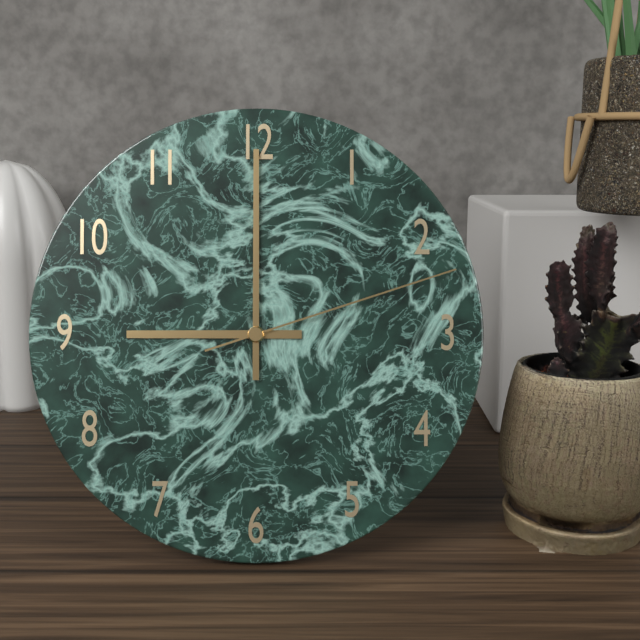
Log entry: h=9 m=0 s=12
